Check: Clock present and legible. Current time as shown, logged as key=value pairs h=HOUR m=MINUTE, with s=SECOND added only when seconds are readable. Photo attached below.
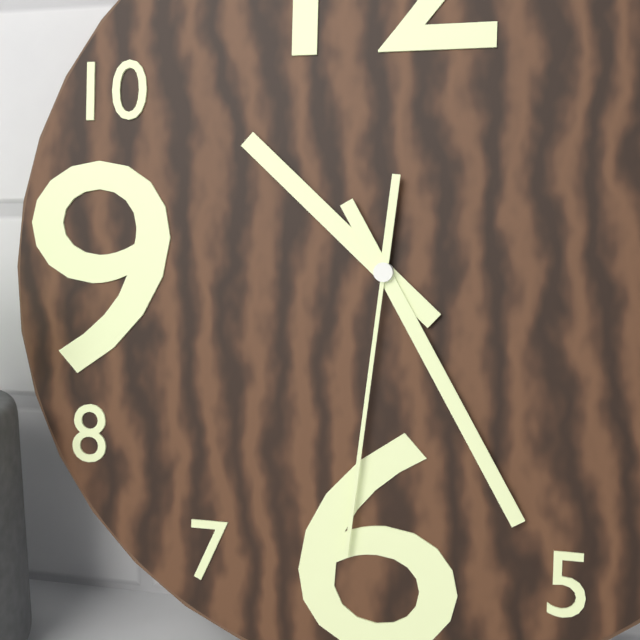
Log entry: h=10 m=25 s=31
